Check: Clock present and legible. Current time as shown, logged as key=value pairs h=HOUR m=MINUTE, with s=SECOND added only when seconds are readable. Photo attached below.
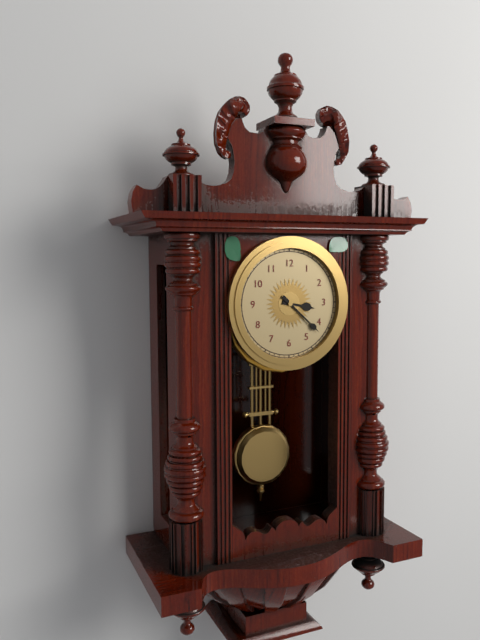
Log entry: h=3 m=22
